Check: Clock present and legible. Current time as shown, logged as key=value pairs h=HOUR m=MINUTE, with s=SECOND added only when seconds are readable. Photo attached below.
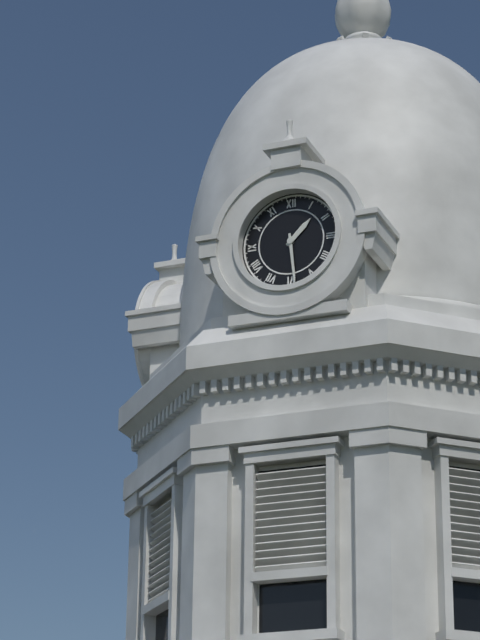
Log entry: h=1 m=29
